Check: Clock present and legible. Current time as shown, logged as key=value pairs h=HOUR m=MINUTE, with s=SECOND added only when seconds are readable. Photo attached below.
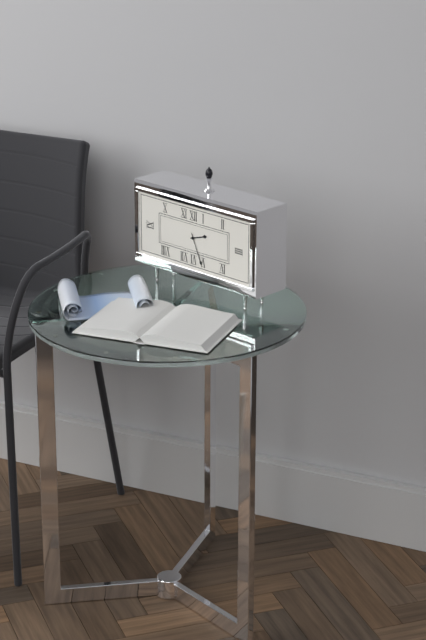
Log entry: h=2 m=26
